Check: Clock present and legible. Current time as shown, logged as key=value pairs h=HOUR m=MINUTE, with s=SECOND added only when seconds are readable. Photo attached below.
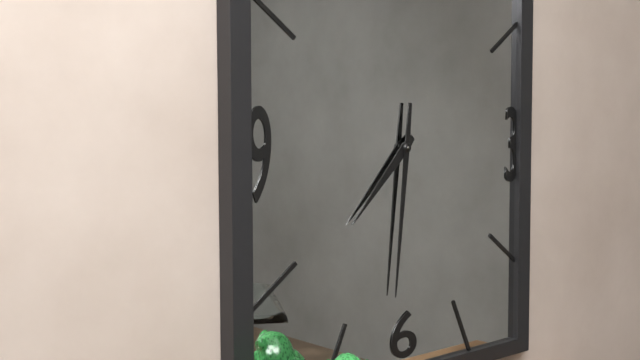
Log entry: h=7 m=31
